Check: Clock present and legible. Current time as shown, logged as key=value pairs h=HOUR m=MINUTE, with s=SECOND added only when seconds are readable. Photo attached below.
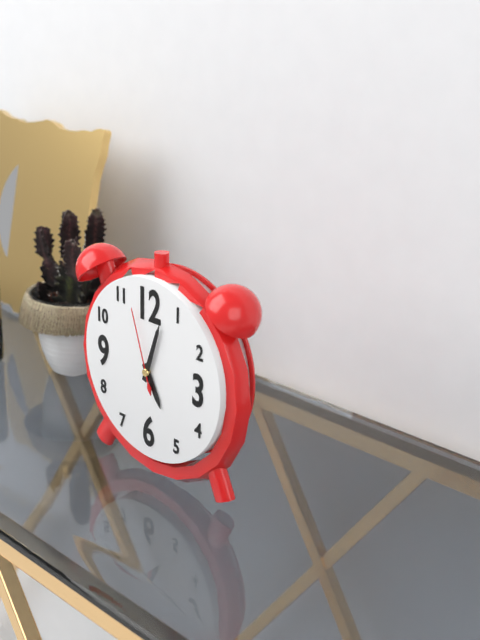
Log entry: h=5 m=3 s=57
